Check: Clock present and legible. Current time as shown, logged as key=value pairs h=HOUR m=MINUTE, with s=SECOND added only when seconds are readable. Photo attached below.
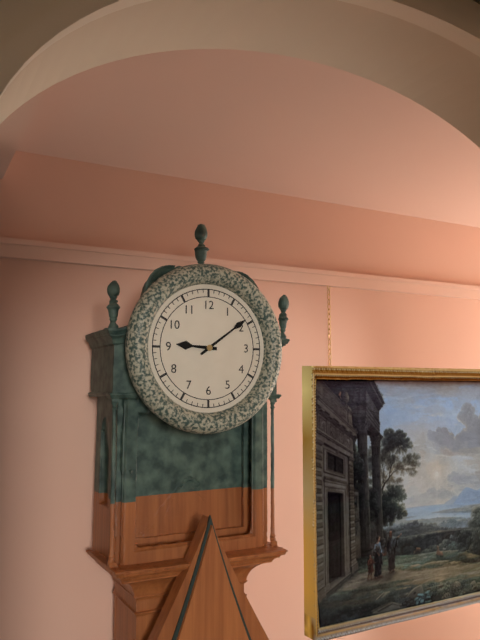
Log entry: h=9 m=9
